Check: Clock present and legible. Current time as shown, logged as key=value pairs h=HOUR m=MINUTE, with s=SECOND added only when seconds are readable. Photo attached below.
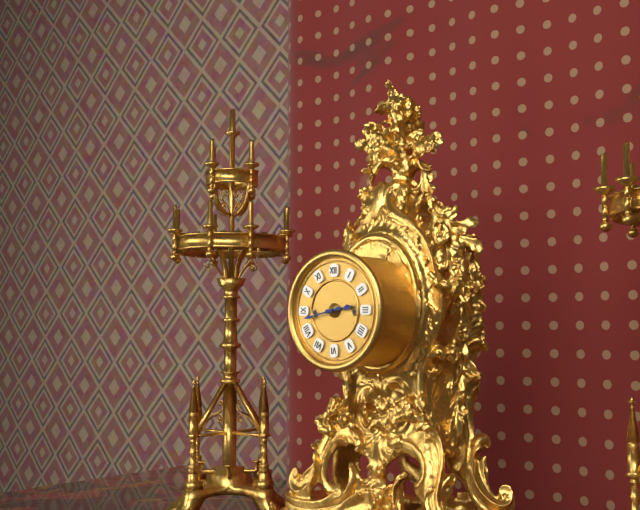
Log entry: h=2 m=43
